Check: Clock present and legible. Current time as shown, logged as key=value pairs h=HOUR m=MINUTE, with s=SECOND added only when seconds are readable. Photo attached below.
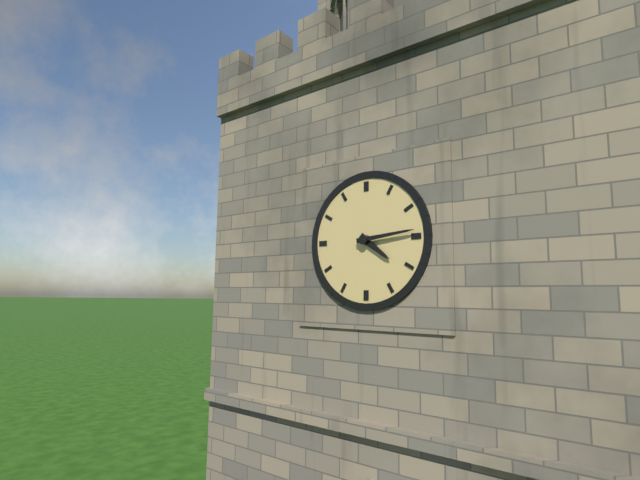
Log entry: h=4 m=14
